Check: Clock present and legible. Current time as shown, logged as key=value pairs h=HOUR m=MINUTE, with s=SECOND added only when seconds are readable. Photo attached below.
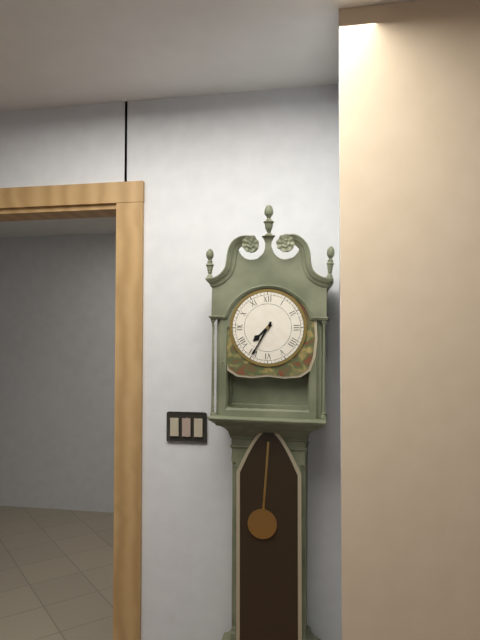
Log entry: h=7 m=35
